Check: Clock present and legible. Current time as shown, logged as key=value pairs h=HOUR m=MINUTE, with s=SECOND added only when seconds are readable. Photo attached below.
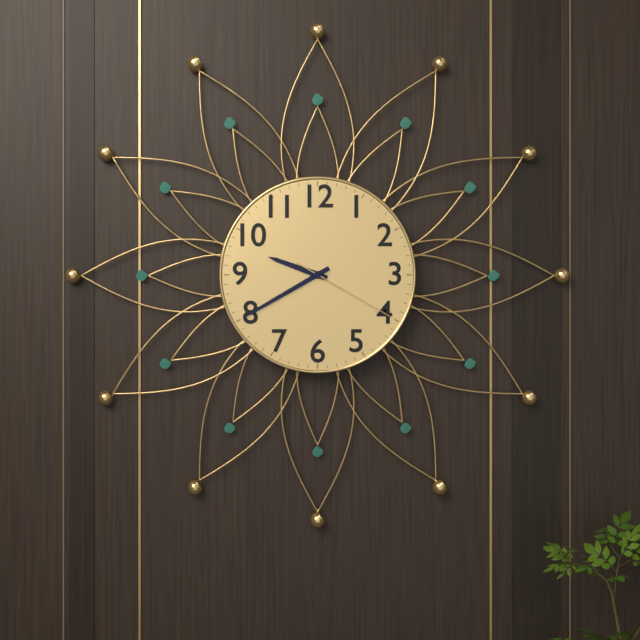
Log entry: h=9 m=40 s=20
